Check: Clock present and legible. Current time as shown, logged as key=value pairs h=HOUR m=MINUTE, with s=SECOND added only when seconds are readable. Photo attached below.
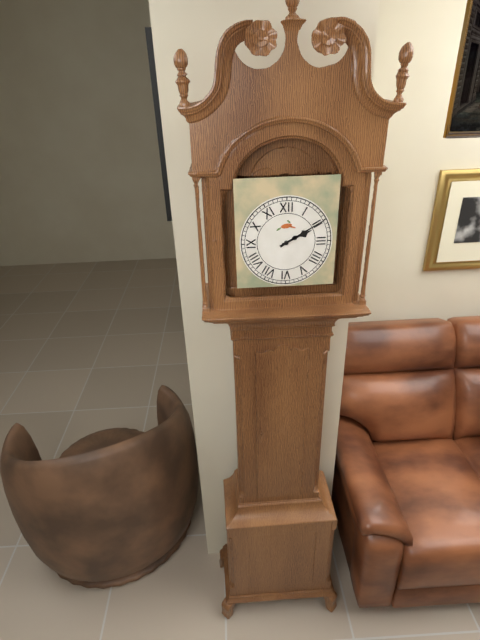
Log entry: h=2 m=10
